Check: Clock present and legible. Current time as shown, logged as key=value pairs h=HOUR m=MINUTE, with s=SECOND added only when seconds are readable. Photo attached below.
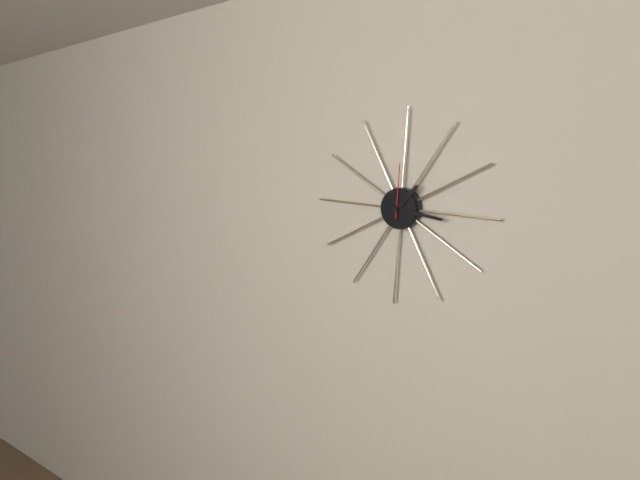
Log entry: h=1 m=16 s=0
